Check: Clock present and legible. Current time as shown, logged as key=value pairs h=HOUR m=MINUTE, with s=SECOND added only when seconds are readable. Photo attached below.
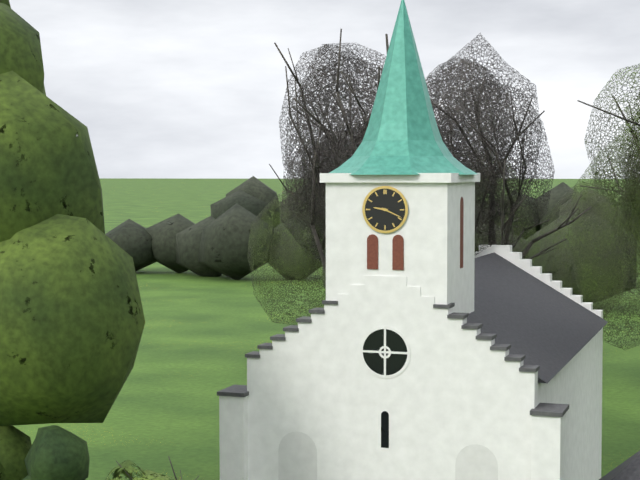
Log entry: h=9 m=19
